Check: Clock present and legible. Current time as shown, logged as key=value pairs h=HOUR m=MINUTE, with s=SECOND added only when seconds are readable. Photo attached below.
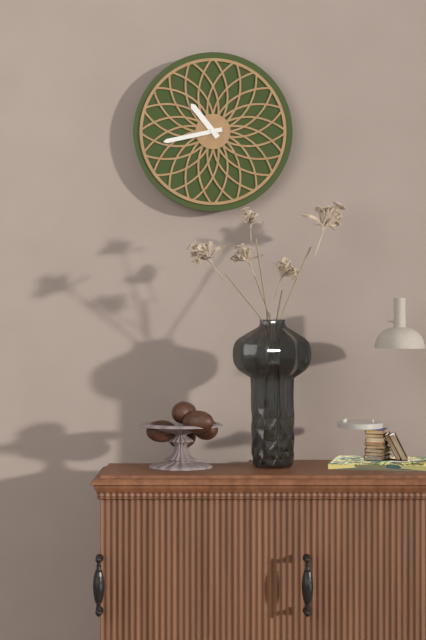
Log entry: h=10 m=43
